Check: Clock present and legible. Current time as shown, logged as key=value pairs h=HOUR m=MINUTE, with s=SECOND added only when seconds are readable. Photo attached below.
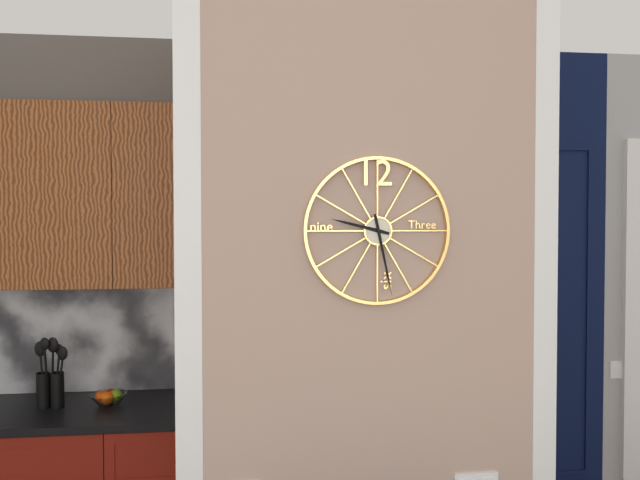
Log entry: h=9 m=28
